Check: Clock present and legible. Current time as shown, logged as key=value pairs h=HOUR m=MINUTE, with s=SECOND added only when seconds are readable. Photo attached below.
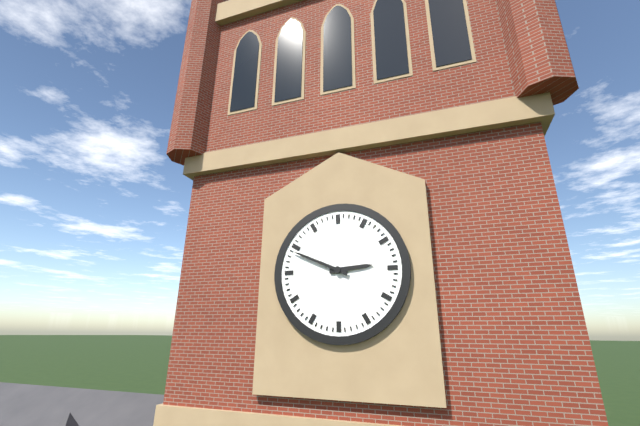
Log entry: h=2 m=49
